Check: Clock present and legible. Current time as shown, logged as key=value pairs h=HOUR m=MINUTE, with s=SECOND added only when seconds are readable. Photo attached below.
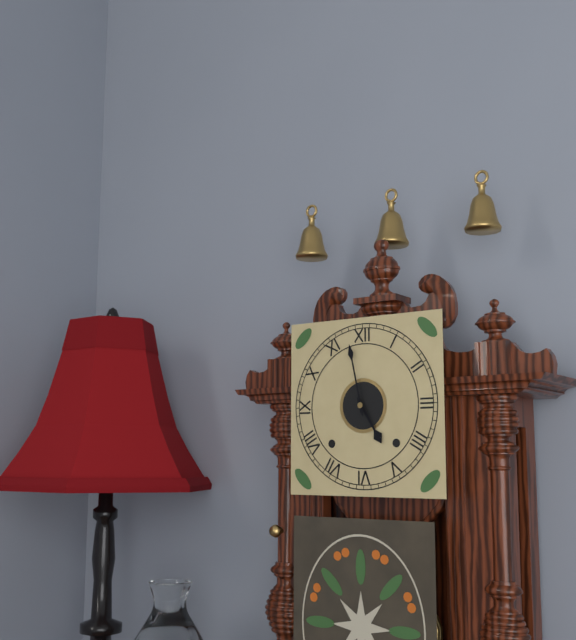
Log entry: h=4 m=58
